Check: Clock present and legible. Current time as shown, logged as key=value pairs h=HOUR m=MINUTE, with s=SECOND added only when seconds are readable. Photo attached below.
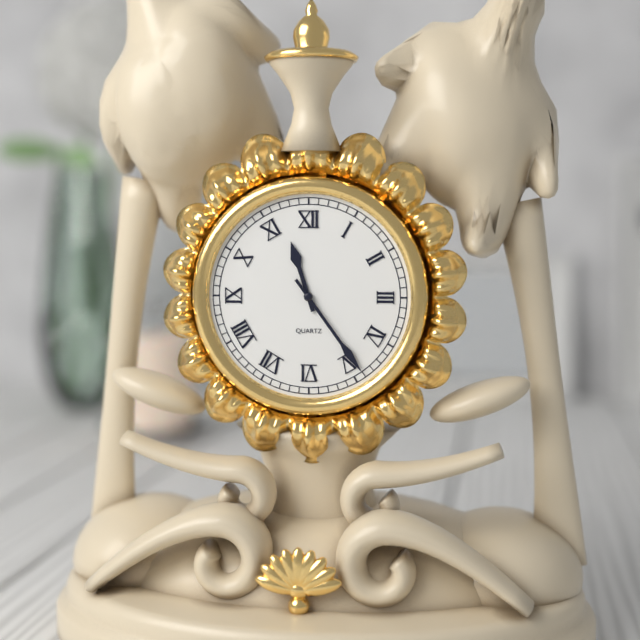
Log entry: h=11 m=24
